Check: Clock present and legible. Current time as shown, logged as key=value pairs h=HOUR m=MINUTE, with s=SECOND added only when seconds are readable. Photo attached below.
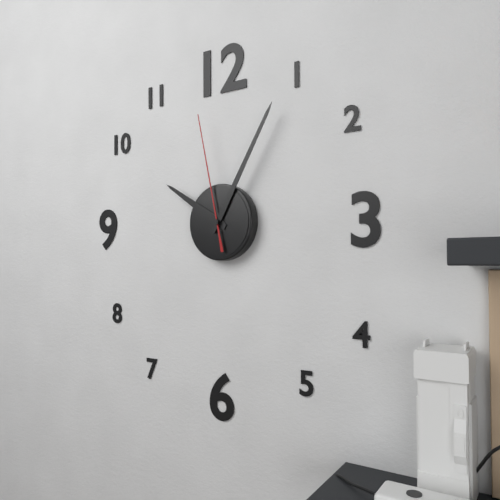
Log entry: h=10 m=5 s=58
